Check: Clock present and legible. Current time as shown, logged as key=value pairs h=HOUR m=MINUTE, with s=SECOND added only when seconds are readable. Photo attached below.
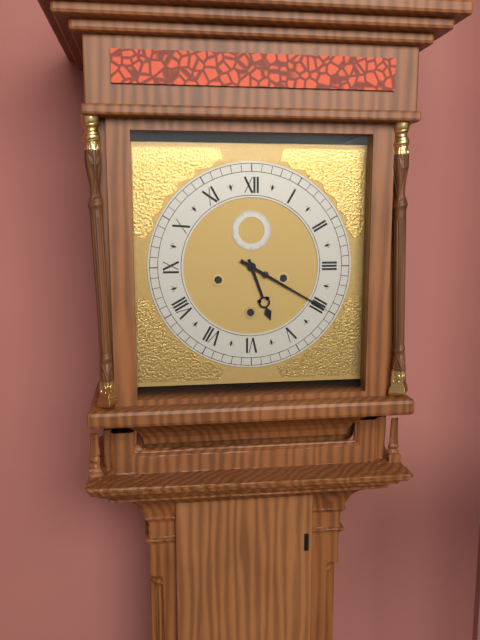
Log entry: h=5 m=20
